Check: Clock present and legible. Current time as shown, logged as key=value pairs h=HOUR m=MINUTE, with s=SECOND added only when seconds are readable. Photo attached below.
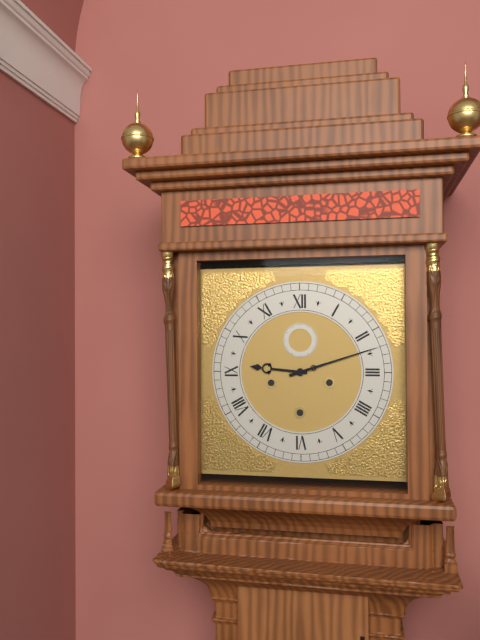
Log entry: h=9 m=12
